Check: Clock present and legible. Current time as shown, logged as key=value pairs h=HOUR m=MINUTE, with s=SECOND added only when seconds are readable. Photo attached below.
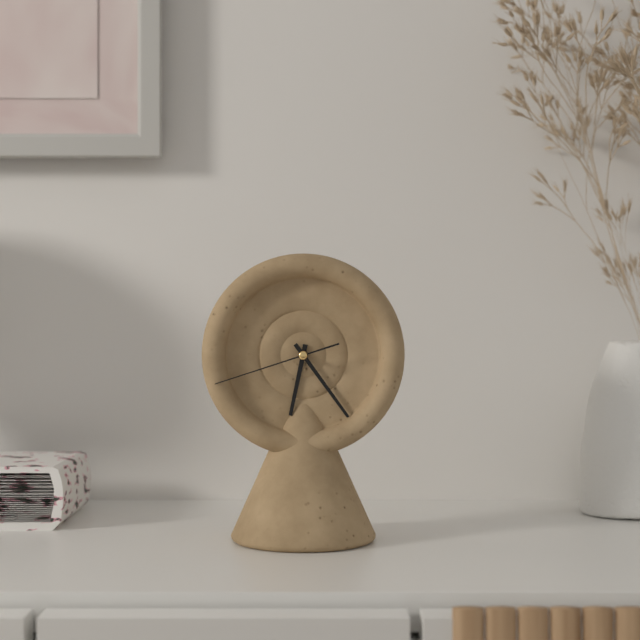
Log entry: h=6 m=24 s=42
